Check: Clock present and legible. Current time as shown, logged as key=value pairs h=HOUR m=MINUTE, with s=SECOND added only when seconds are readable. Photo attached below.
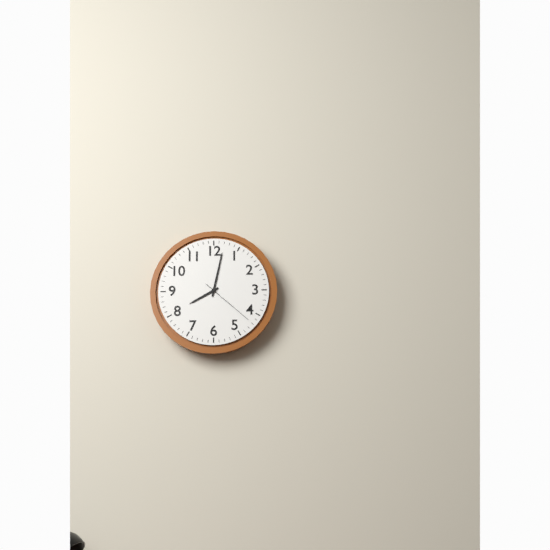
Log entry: h=8 m=2 s=22
